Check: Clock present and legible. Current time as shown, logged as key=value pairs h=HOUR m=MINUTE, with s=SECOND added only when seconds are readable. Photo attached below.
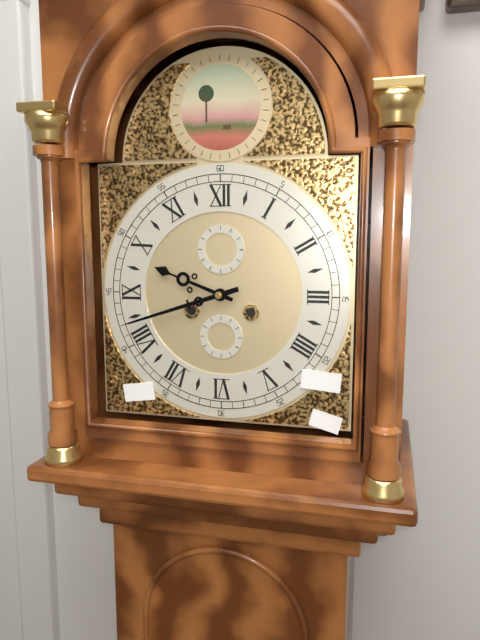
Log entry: h=9 m=42
